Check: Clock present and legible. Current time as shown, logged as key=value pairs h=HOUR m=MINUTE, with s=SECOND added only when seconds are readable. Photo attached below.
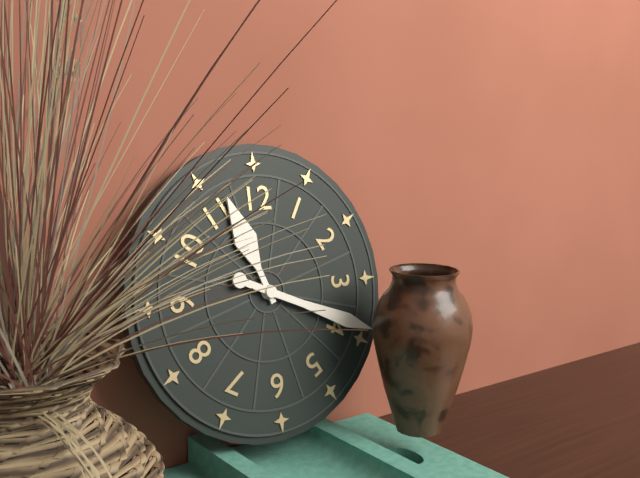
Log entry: h=11 m=19
